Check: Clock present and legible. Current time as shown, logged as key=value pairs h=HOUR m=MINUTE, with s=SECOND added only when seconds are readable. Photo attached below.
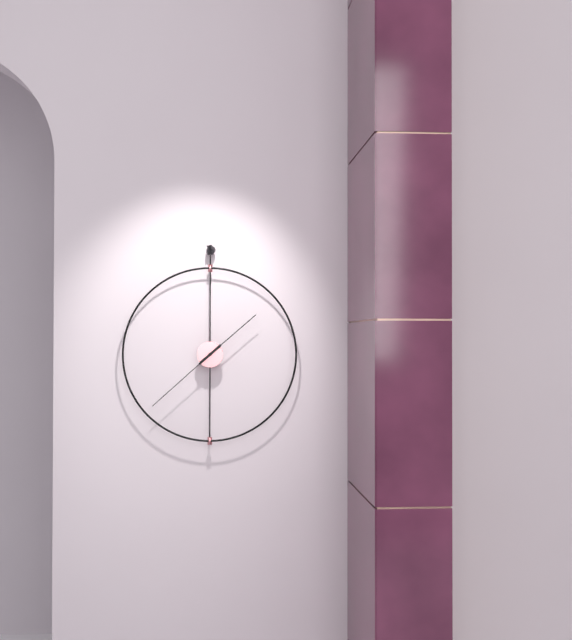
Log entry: h=1 m=38
